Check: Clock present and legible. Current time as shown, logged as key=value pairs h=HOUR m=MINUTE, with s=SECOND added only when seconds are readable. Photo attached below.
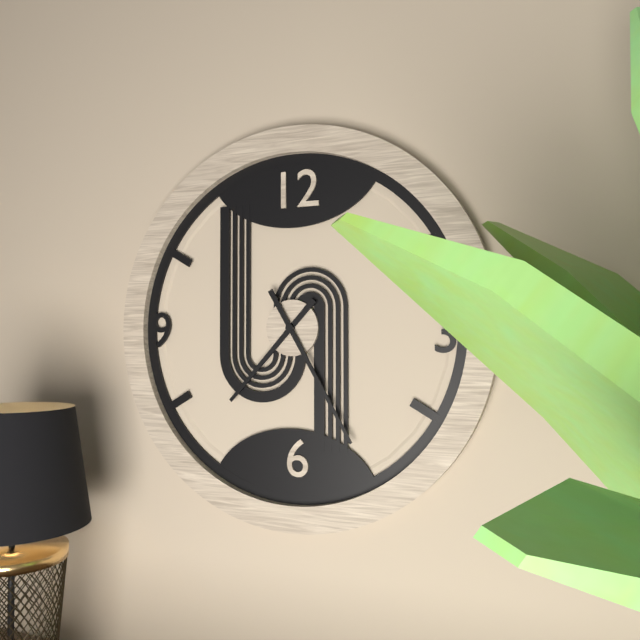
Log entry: h=7 m=25
